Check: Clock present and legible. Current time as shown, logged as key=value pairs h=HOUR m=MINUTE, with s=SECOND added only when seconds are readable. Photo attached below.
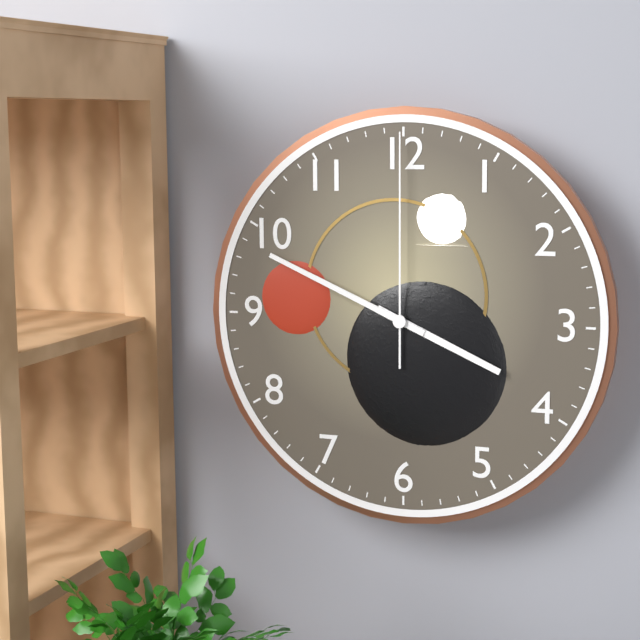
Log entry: h=3 m=49 s=0
